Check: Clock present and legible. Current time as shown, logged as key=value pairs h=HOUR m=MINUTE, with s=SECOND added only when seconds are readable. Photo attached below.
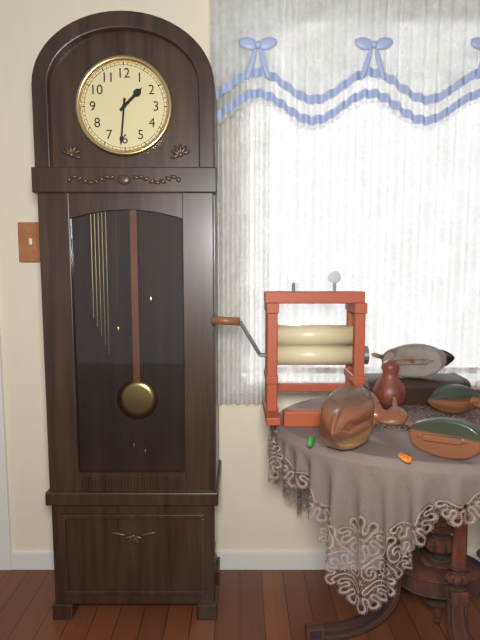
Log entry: h=1 m=31
